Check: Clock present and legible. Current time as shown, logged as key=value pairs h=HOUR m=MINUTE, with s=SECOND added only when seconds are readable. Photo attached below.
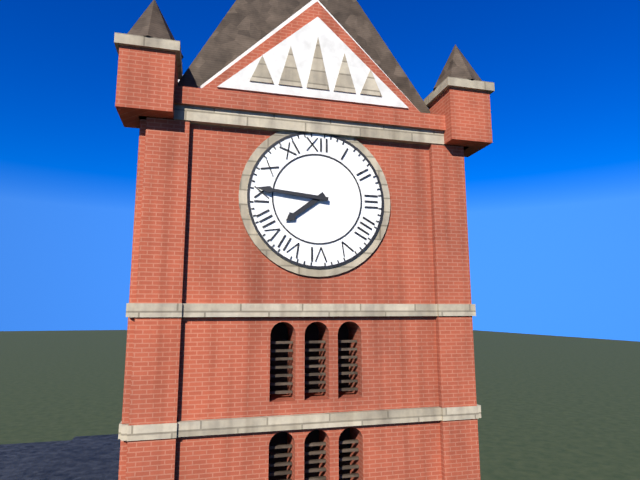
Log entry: h=7 m=46
